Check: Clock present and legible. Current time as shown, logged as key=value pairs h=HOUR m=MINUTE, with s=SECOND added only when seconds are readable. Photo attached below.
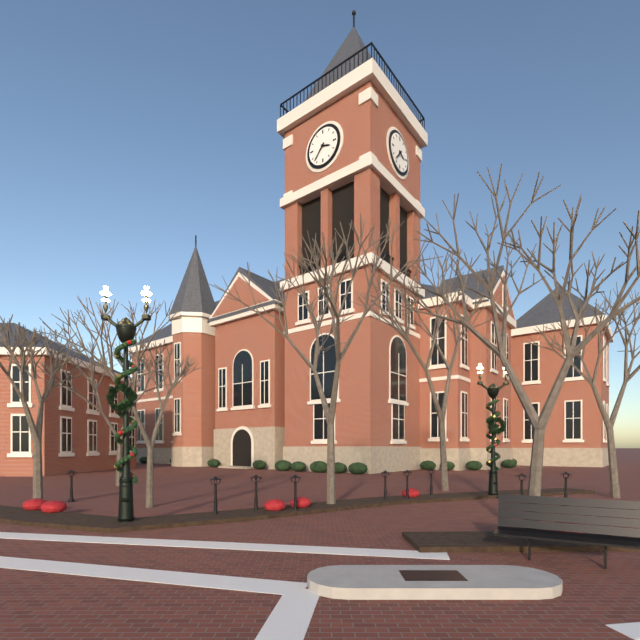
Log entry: h=3 m=37
